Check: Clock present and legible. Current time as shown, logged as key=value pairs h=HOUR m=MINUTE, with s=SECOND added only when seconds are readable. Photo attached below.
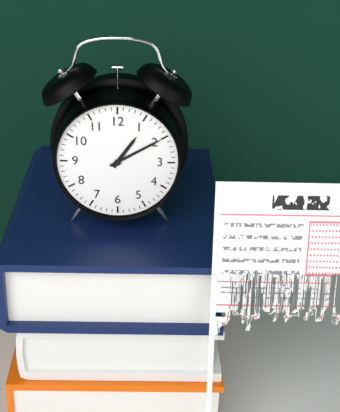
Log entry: h=1 m=10
